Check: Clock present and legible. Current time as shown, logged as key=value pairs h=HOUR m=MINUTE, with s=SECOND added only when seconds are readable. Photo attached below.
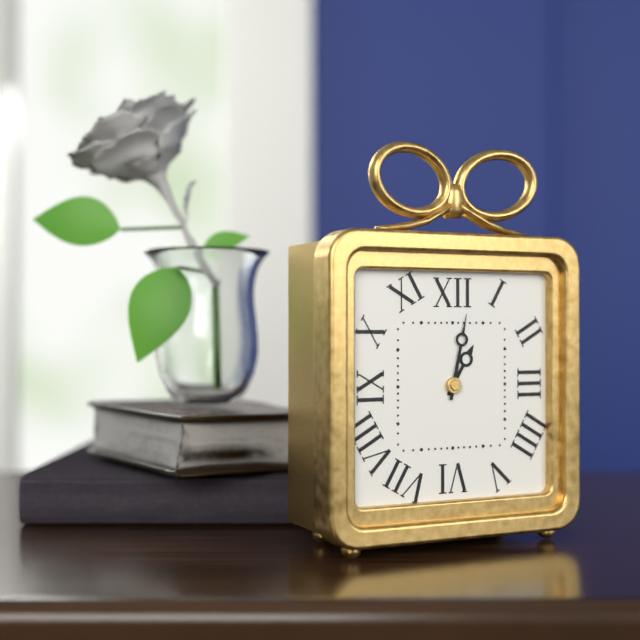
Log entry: h=1 m=2
